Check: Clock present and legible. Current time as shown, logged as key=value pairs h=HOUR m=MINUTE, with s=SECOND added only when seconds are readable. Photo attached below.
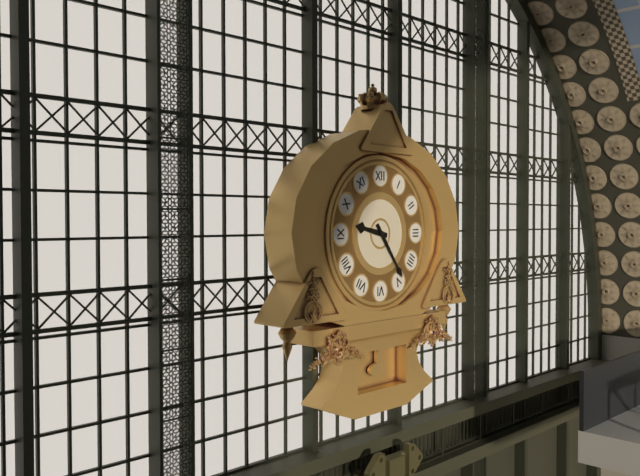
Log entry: h=9 m=24
